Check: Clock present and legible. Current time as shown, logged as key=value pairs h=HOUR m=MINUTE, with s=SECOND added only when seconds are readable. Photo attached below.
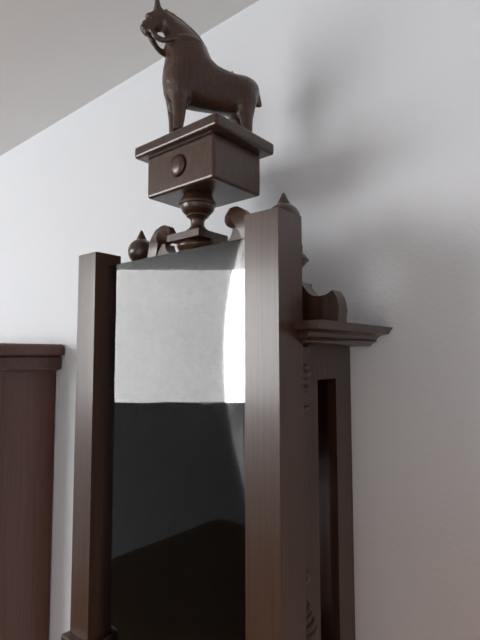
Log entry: h=7 m=35
